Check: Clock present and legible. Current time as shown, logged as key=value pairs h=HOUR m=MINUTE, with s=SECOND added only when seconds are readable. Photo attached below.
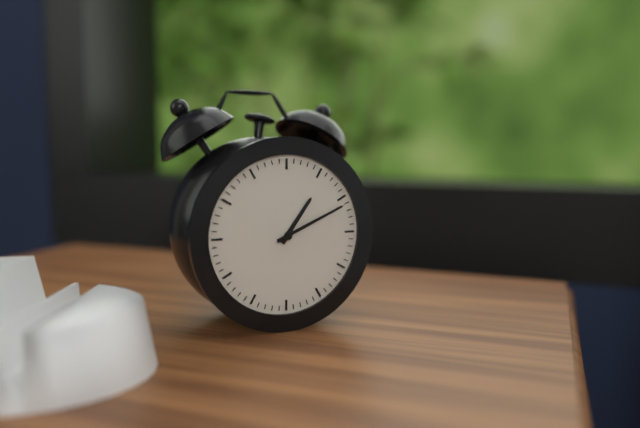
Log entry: h=1 m=11
